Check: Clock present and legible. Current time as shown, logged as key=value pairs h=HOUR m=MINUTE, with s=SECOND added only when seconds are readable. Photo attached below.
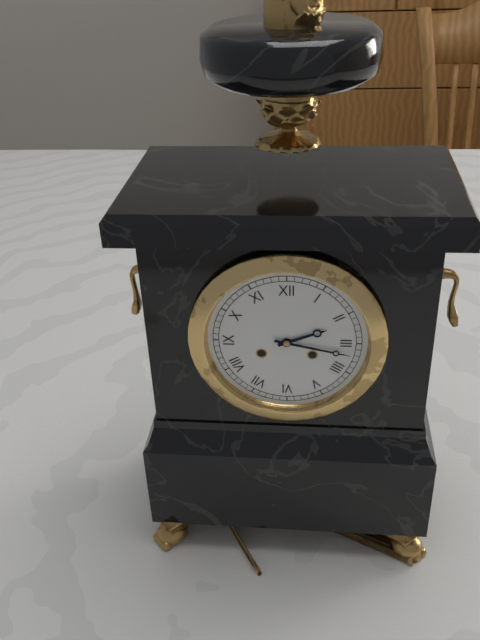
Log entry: h=2 m=17
